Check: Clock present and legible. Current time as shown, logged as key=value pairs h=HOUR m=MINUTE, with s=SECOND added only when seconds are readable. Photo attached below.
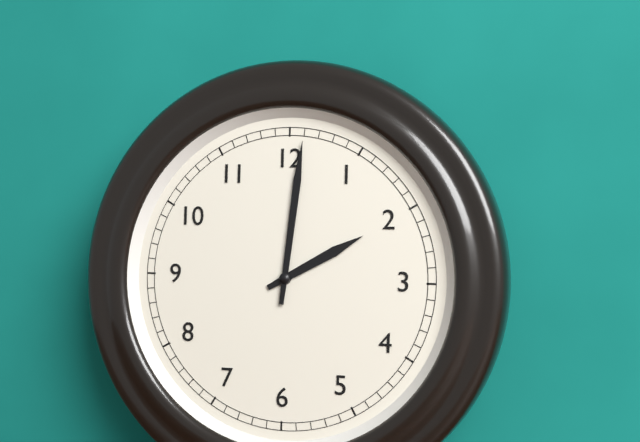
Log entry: h=2 m=1
